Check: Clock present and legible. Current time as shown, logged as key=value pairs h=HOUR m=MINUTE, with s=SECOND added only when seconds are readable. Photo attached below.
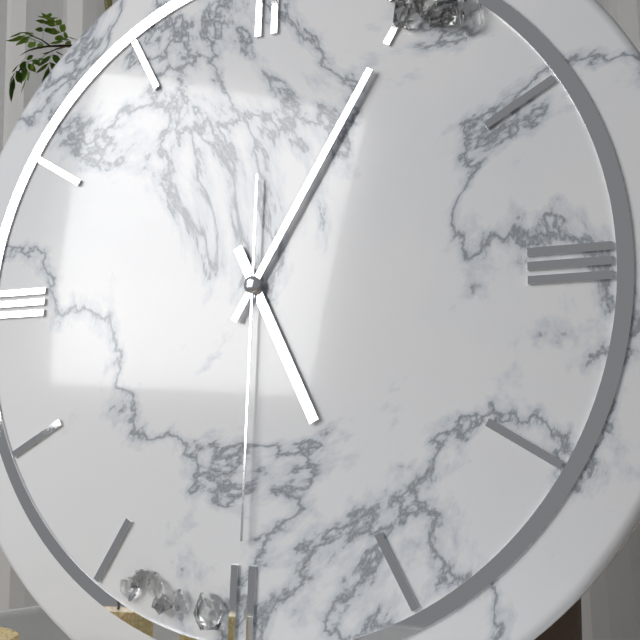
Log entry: h=5 m=5 s=30
